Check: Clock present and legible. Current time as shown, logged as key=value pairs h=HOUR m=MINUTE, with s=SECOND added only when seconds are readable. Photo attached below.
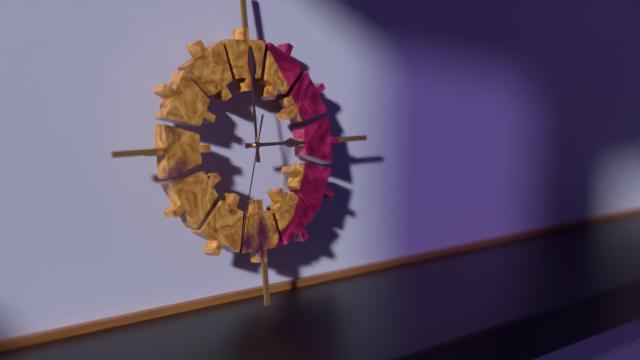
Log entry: h=3 m=0 s=33
